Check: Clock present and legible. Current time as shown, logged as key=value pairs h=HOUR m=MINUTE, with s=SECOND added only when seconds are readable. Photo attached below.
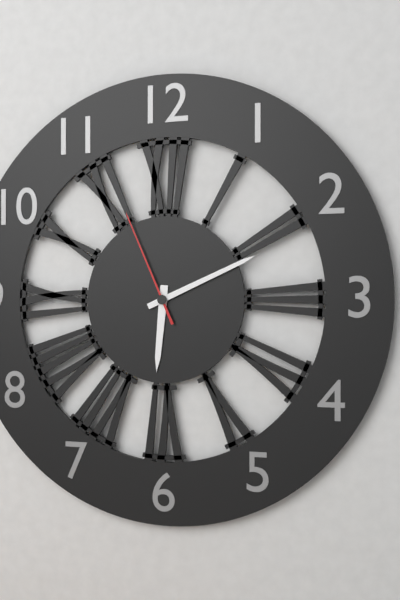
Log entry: h=6 m=11 s=56
